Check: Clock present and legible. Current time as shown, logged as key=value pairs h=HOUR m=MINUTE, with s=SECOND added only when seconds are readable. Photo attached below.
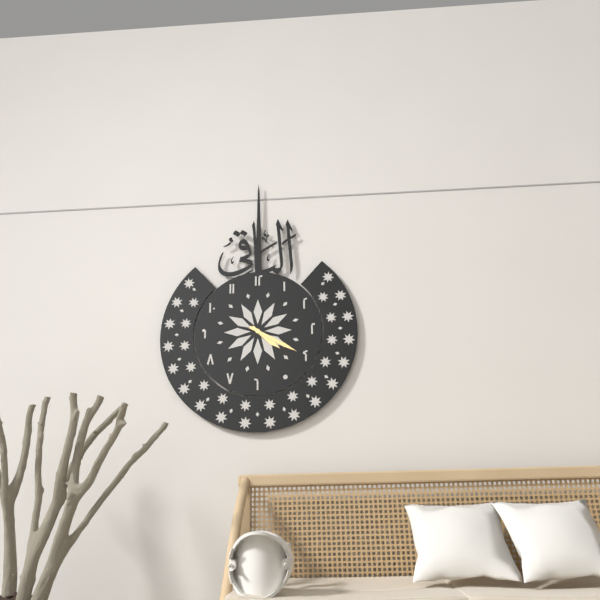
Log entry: h=4 m=20
